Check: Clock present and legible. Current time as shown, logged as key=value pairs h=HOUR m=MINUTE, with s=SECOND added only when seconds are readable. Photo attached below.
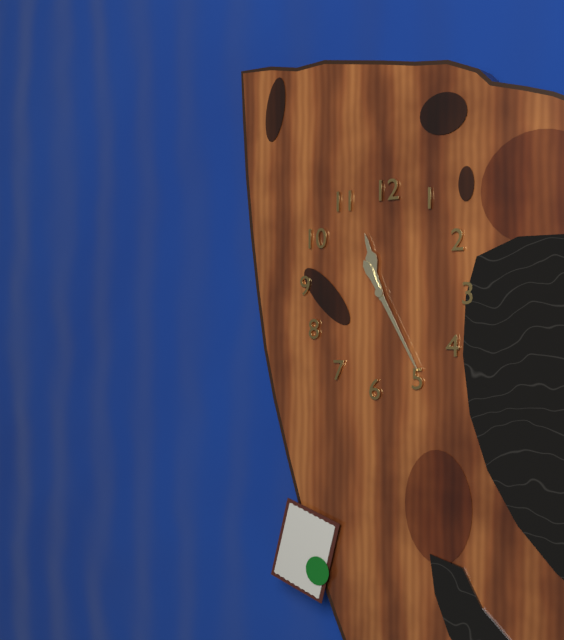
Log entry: h=11 m=25
